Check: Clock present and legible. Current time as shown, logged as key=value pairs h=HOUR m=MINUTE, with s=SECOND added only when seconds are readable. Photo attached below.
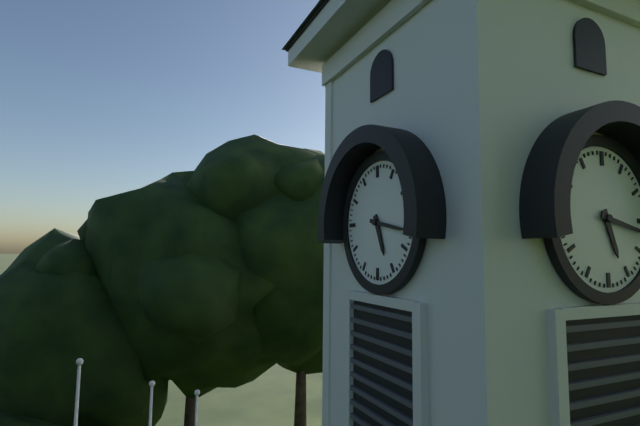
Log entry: h=5 m=17
